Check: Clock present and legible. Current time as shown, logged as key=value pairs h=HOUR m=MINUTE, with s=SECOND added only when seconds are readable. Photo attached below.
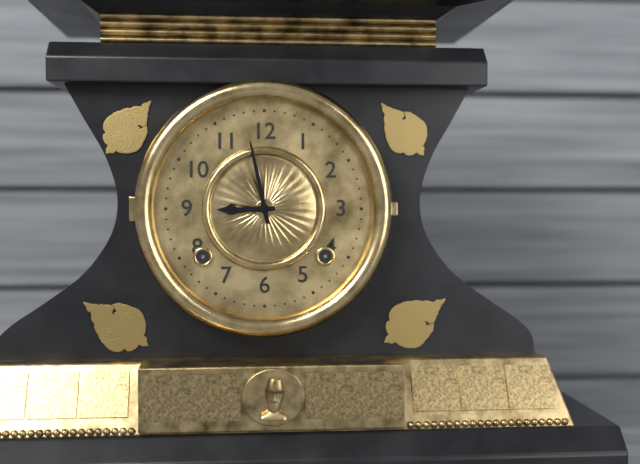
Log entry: h=8 m=58
